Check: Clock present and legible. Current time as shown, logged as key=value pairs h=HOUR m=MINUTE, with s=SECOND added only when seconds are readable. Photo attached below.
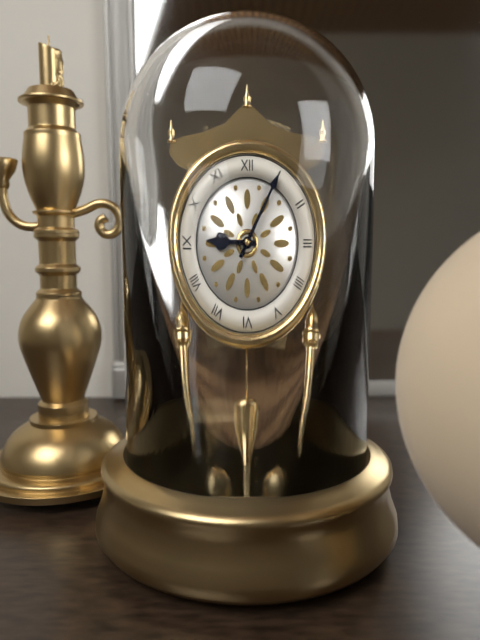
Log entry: h=9 m=5
